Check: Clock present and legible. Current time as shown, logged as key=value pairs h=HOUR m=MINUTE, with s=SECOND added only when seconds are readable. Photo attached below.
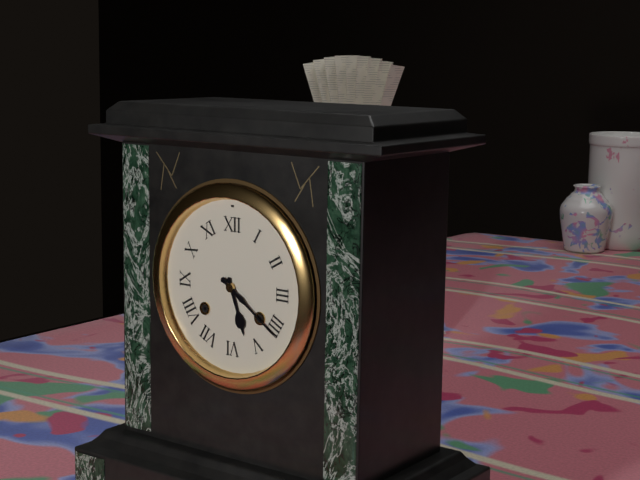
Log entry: h=5 m=21
